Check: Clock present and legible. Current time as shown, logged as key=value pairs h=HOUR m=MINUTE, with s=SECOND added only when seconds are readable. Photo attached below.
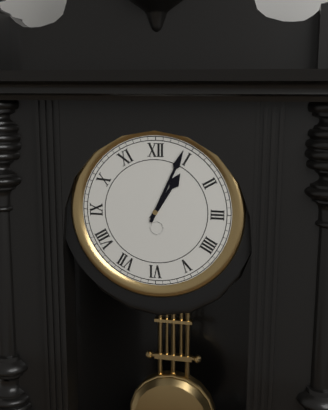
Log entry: h=1 m=4
